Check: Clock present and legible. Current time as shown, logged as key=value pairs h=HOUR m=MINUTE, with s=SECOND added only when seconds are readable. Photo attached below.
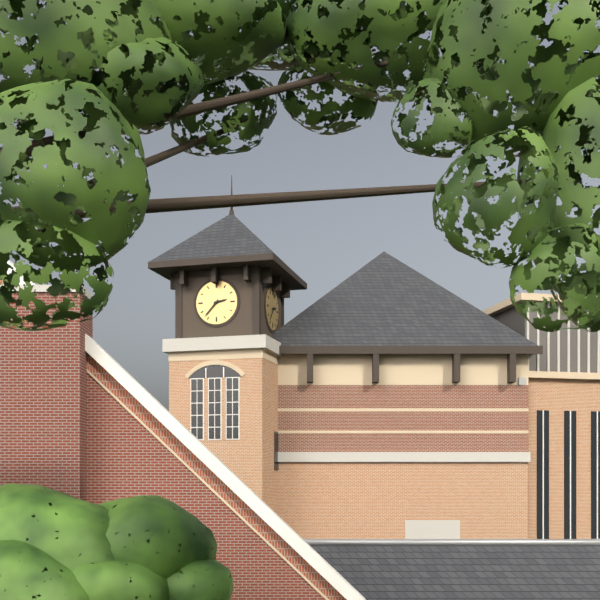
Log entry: h=2 m=37
